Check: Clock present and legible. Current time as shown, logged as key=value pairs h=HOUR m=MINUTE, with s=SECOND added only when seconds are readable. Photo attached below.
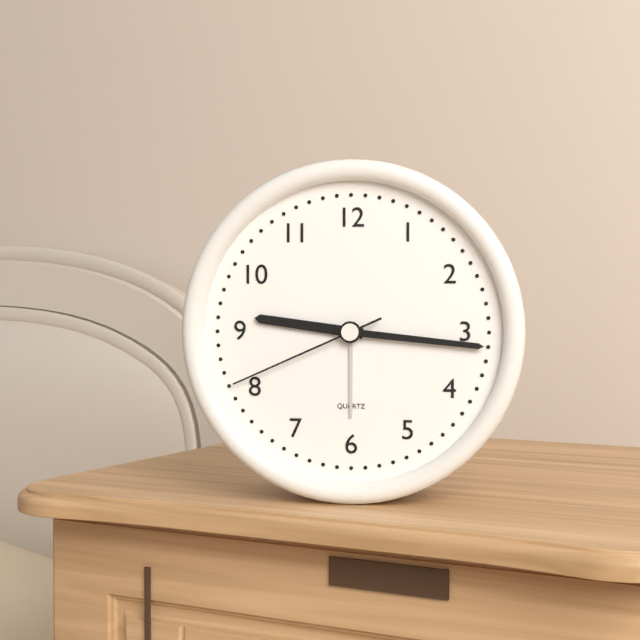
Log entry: h=9 m=16 s=41
